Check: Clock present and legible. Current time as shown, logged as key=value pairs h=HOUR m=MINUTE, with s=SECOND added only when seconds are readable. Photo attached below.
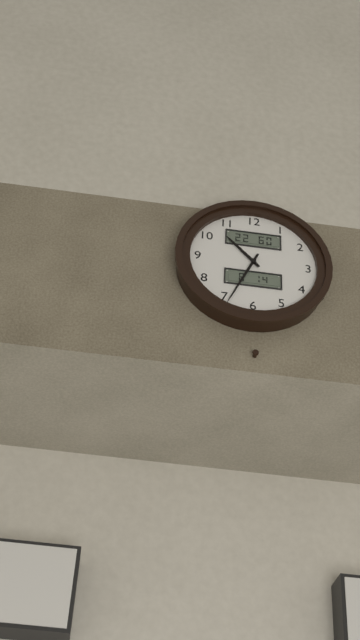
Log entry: h=10 m=34
